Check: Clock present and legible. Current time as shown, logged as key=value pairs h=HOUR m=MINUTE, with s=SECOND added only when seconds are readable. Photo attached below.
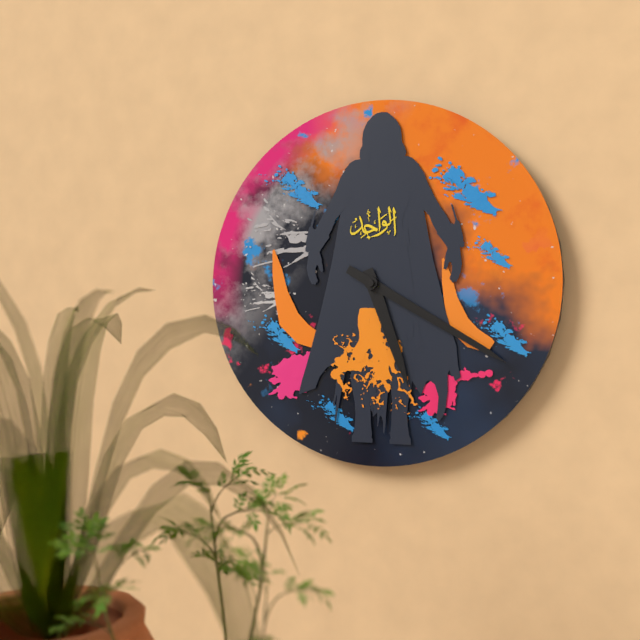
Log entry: h=5 m=20
